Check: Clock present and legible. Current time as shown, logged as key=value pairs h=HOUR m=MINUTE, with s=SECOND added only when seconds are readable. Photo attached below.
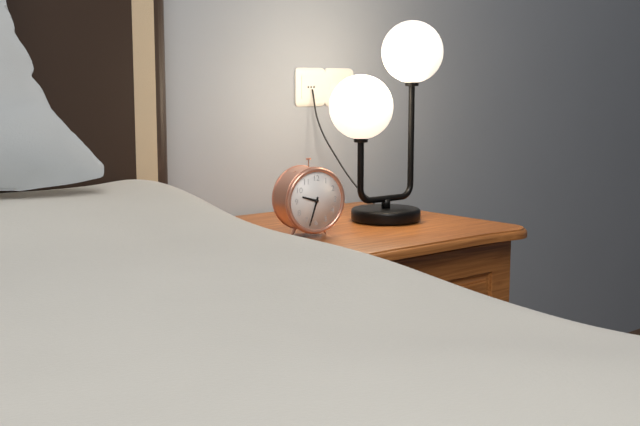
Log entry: h=9 m=33
